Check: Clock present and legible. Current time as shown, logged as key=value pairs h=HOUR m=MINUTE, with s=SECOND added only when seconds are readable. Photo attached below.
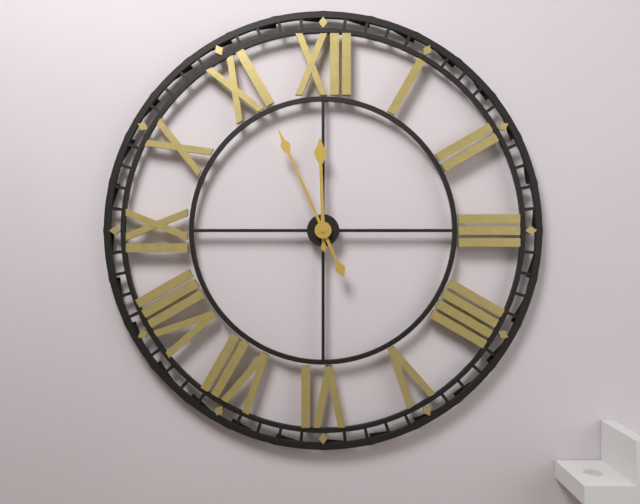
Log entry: h=11 m=56
